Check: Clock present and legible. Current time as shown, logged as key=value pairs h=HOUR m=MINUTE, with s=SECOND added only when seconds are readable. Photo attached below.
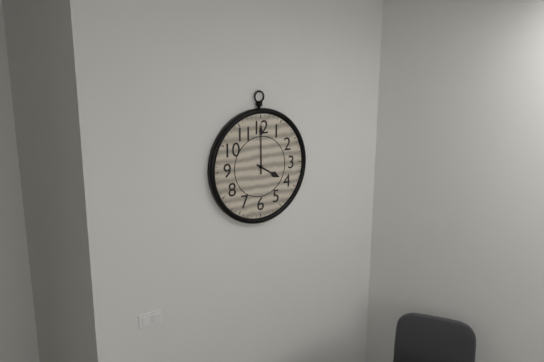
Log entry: h=4 m=0
